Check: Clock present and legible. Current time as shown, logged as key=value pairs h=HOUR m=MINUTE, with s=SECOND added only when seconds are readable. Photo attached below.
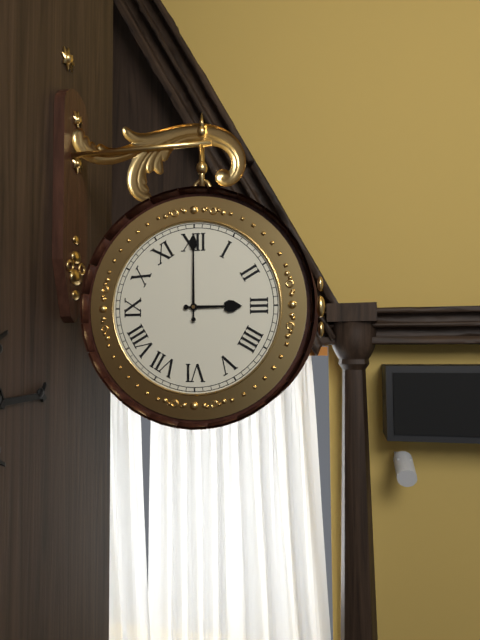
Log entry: h=3 m=0
